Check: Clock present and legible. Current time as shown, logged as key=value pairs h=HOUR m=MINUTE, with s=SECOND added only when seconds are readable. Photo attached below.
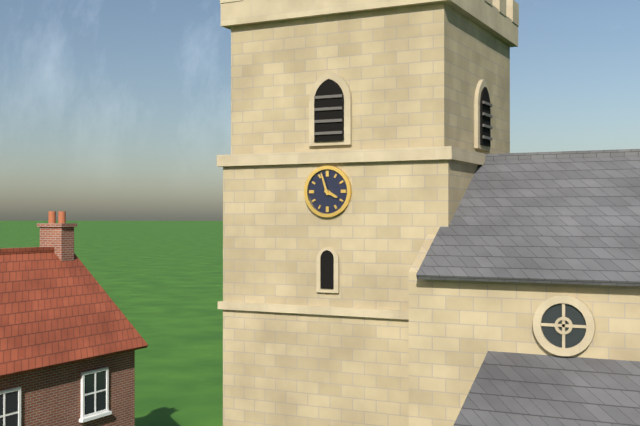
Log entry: h=3 m=57
